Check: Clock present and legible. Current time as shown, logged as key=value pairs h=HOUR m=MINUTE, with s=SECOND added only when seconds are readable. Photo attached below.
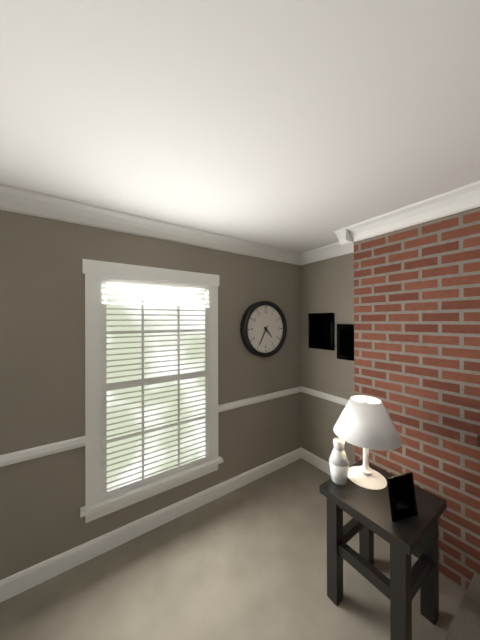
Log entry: h=4 m=35
